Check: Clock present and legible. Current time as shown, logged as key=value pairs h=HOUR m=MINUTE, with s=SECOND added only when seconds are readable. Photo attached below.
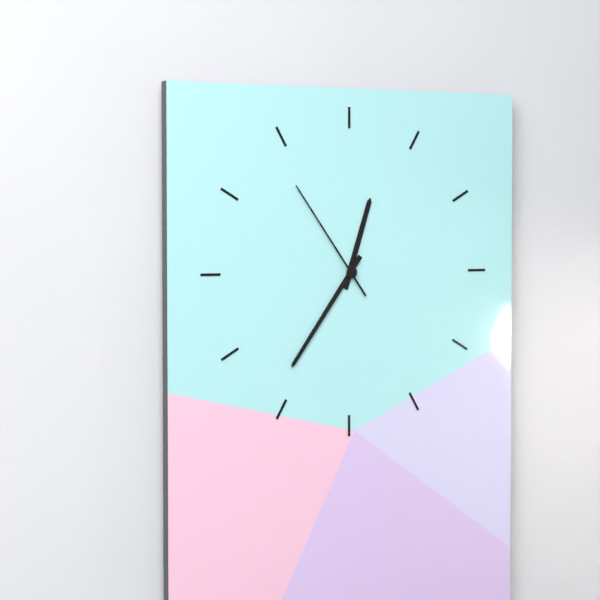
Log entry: h=12 m=36 s=54
